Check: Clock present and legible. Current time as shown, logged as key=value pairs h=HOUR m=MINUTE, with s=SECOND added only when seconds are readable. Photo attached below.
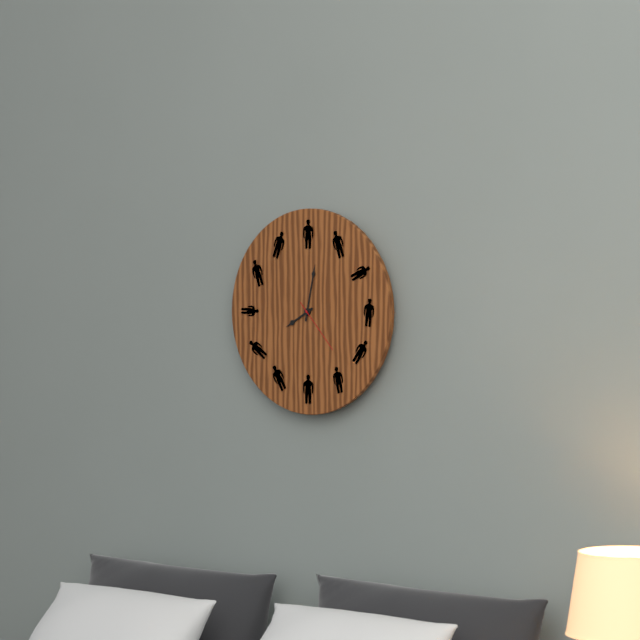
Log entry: h=8 m=2 s=23
